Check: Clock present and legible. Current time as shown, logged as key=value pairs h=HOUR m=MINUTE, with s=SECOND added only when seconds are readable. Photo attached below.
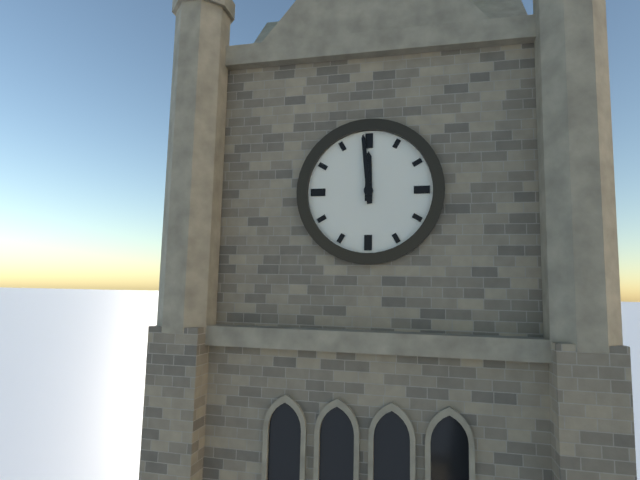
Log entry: h=11 m=59
